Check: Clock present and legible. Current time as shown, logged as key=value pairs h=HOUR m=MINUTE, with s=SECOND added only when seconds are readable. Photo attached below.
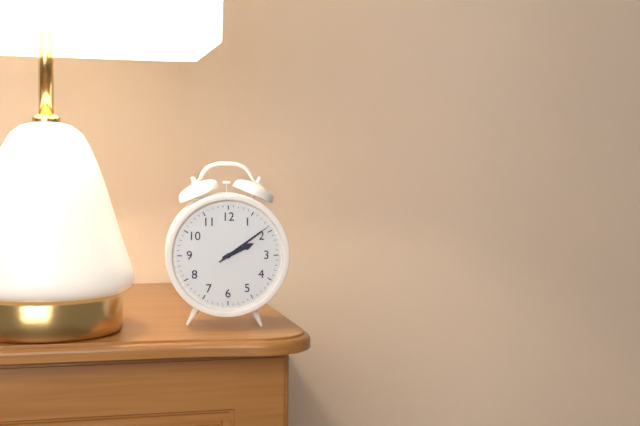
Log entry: h=2 m=9 s=9
